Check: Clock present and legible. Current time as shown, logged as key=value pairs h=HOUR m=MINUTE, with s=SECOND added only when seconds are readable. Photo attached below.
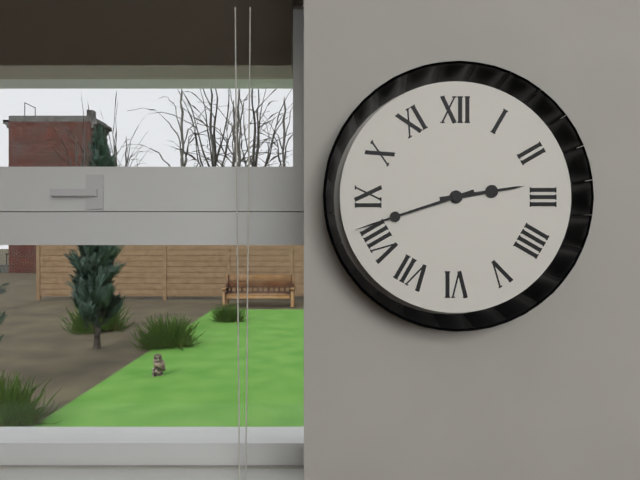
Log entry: h=2 m=42
